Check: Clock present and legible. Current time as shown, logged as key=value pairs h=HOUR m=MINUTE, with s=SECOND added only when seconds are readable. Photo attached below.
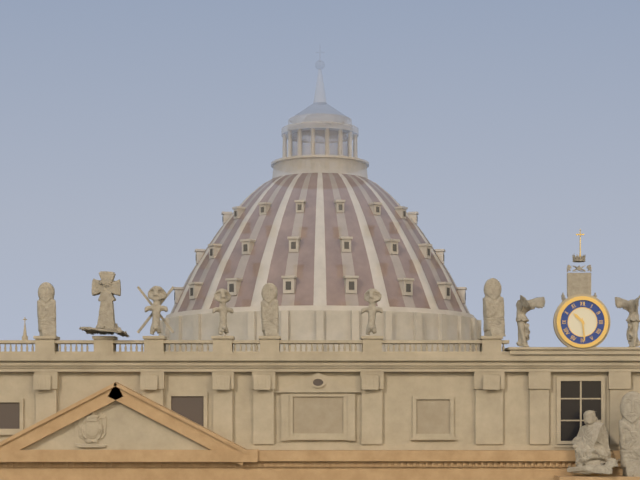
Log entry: h=10 m=29
